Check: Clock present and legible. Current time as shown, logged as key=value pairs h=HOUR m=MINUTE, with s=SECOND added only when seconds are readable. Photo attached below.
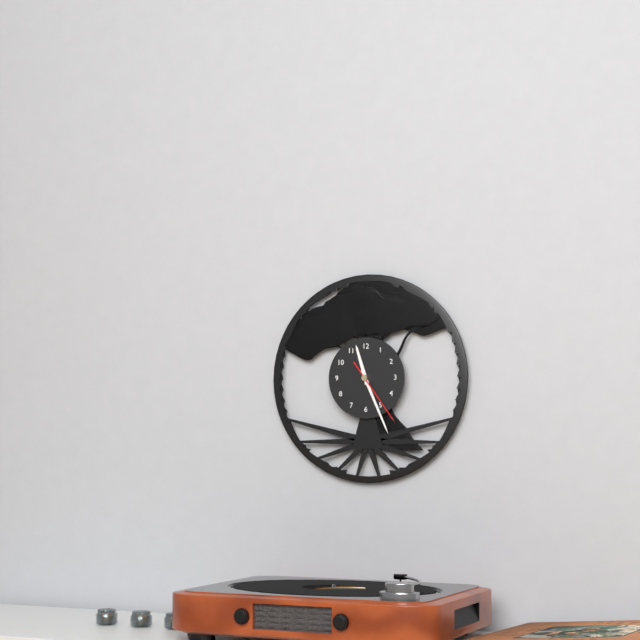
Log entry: h=11 m=26 s=24
